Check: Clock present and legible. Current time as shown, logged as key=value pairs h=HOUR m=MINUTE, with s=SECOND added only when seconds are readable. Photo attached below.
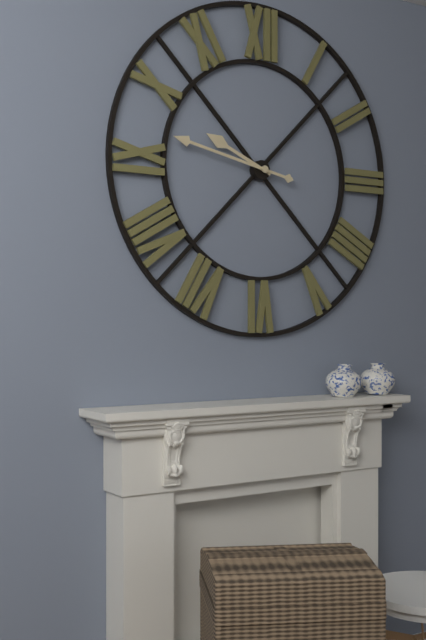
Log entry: h=9 m=47
